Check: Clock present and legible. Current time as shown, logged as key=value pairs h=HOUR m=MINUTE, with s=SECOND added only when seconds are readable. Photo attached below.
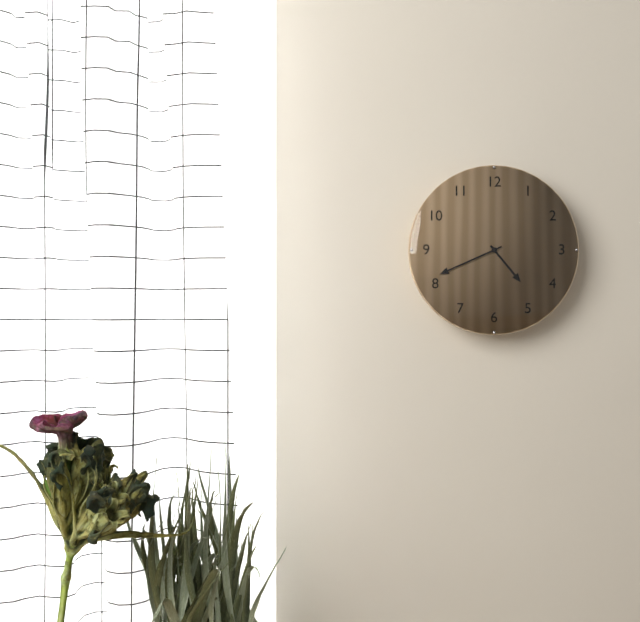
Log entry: h=4 m=41
